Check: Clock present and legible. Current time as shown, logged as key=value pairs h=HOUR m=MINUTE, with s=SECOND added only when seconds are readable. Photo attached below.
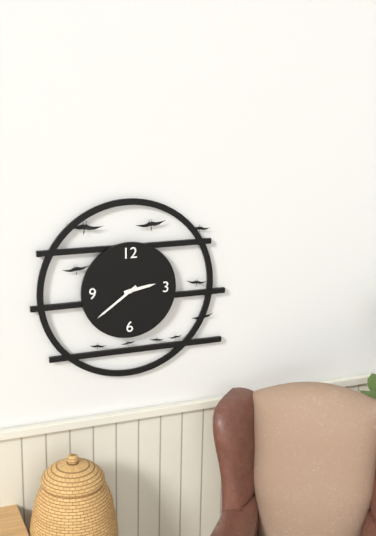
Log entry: h=2 m=39
